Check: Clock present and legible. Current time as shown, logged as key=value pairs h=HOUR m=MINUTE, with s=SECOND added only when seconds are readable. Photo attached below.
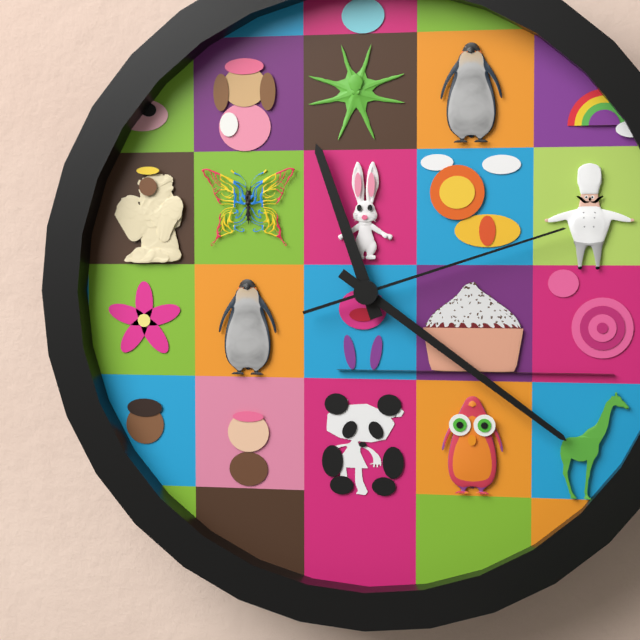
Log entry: h=11 m=21 s=12
